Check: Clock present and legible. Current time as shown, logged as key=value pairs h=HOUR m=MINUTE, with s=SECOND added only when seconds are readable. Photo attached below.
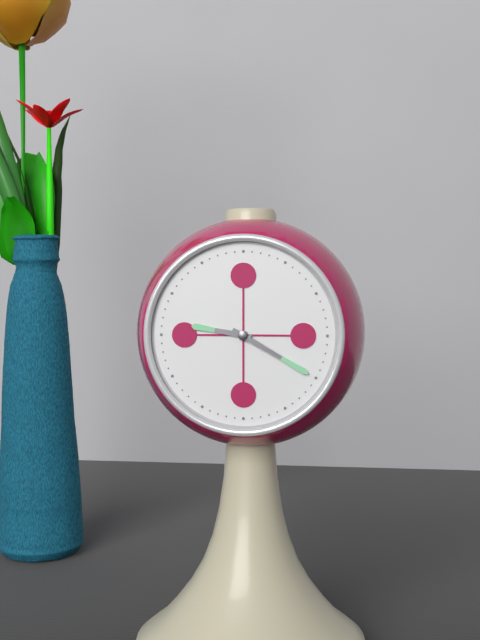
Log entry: h=9 m=20
